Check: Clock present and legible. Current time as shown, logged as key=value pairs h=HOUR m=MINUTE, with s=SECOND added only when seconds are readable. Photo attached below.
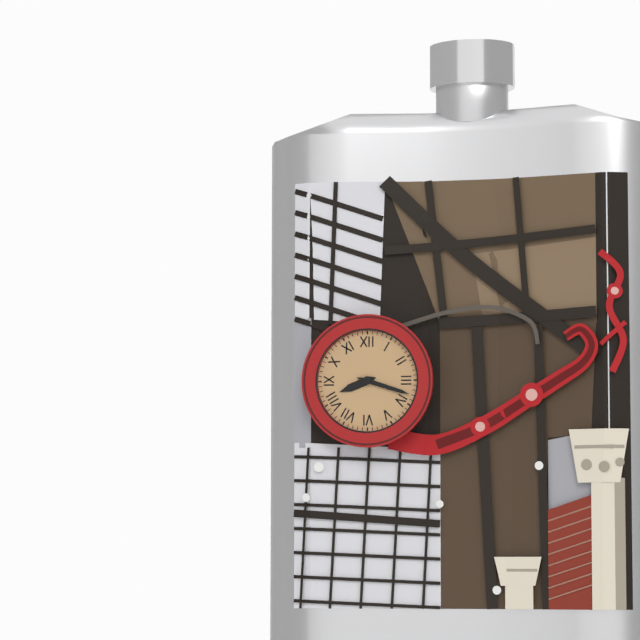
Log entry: h=8 m=18
